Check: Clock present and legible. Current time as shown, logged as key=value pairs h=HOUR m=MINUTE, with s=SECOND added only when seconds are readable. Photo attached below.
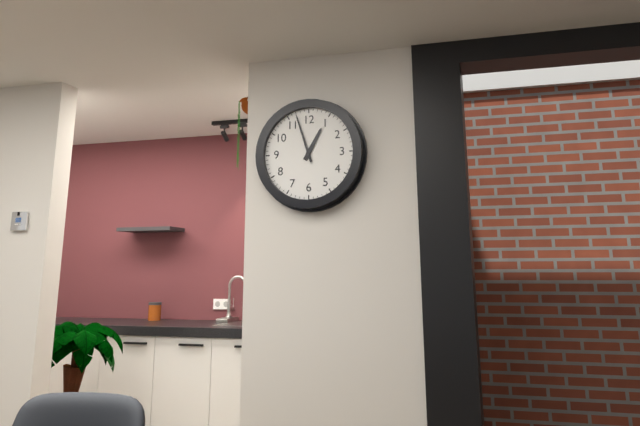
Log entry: h=12 m=57
